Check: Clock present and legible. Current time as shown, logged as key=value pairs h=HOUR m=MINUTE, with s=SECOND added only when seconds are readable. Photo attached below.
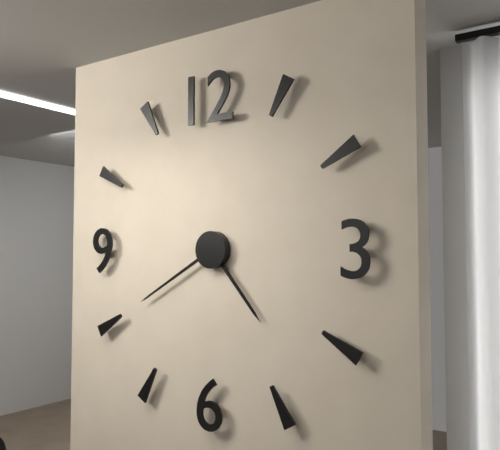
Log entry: h=4 m=40
